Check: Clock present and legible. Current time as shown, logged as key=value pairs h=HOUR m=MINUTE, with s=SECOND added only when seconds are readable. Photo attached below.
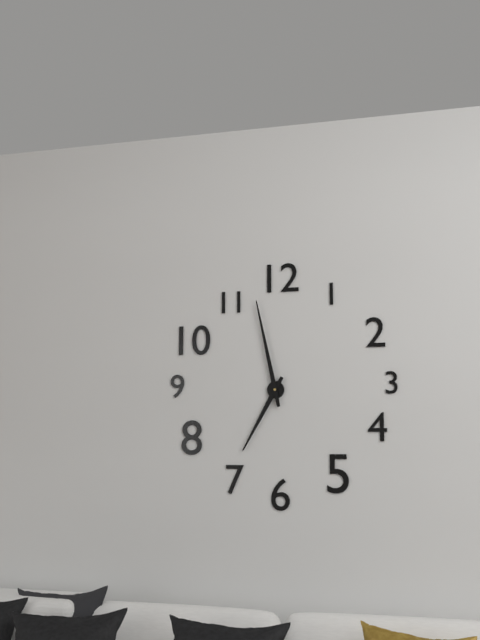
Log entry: h=6 m=58
